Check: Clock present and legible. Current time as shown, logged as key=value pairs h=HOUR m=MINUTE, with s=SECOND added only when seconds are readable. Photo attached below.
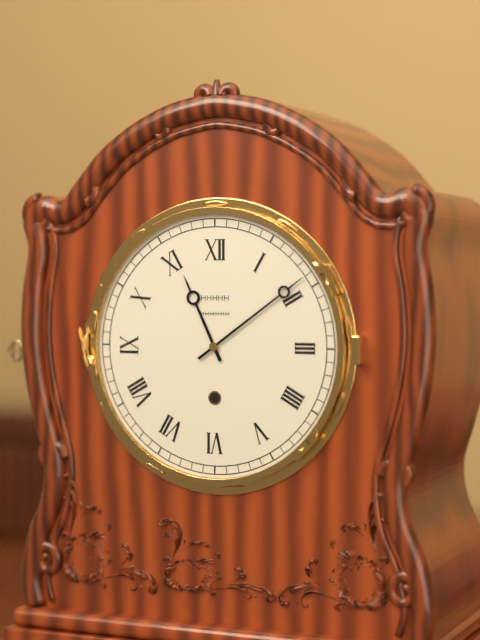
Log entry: h=11 m=9
